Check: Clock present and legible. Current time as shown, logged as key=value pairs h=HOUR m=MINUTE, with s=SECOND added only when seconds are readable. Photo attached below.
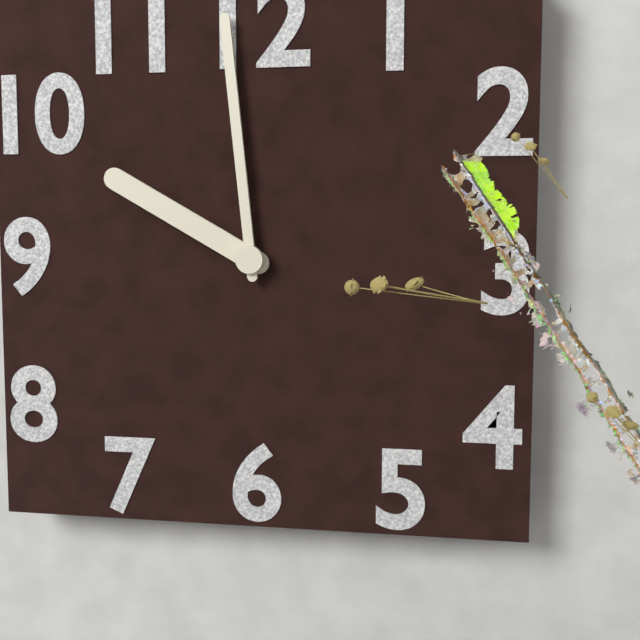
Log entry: h=9 m=59
